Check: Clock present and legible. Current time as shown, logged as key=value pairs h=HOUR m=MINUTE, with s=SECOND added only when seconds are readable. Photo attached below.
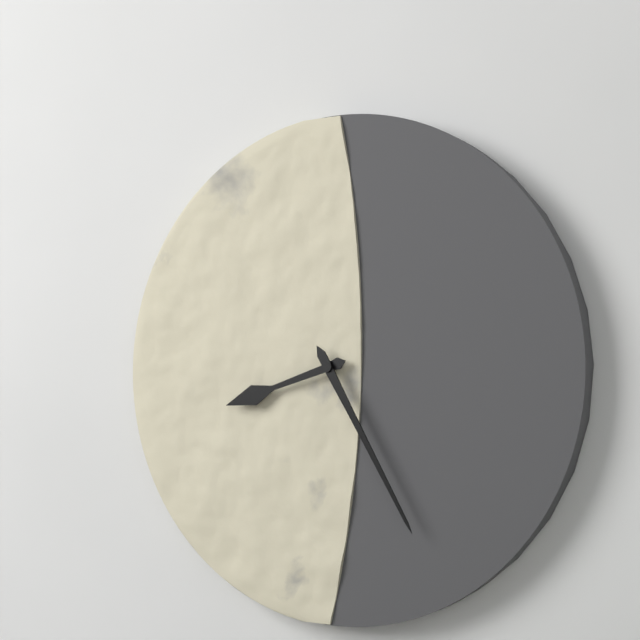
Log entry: h=8 m=25
